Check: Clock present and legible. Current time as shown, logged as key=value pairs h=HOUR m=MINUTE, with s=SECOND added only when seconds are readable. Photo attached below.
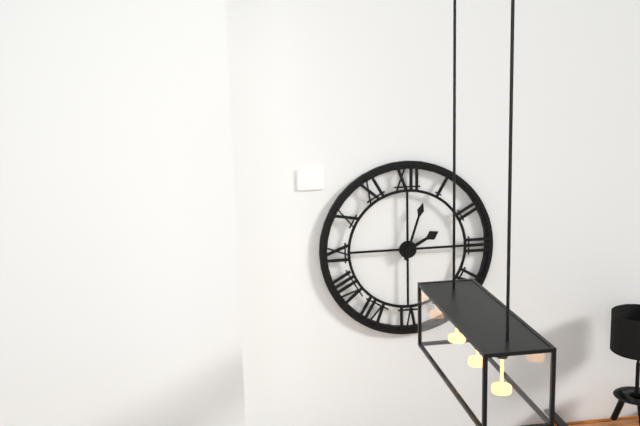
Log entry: h=2 m=3
